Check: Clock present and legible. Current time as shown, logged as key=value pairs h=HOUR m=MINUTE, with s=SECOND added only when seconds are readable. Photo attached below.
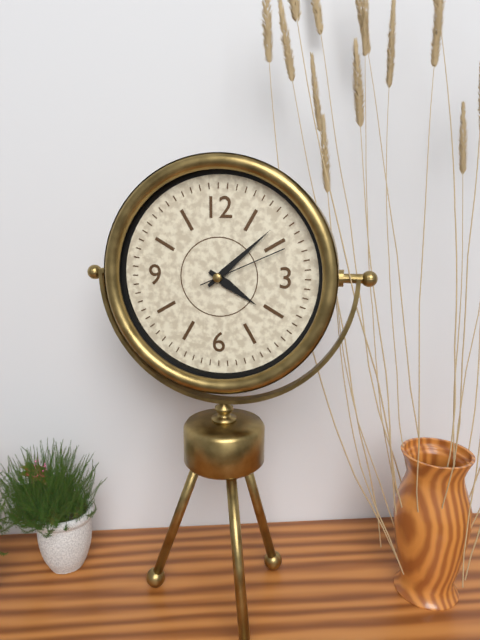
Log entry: h=4 m=8 s=11
